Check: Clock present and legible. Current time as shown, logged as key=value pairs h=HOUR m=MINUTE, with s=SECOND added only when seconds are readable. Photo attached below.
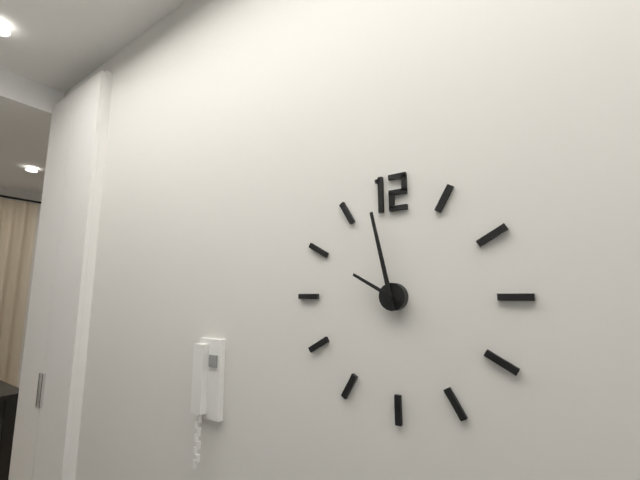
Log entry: h=9 m=58
